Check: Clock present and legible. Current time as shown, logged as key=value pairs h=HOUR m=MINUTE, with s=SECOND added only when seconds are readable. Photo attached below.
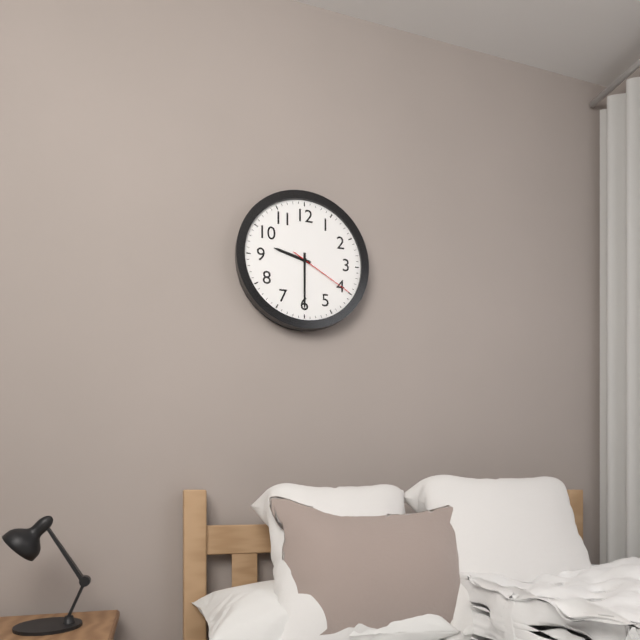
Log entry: h=9 m=30 s=20
